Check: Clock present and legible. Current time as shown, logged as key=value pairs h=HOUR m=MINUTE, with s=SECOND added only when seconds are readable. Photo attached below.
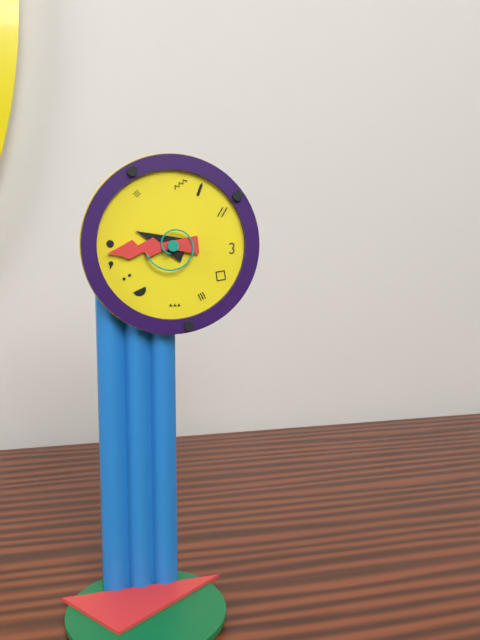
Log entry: h=9 m=44
